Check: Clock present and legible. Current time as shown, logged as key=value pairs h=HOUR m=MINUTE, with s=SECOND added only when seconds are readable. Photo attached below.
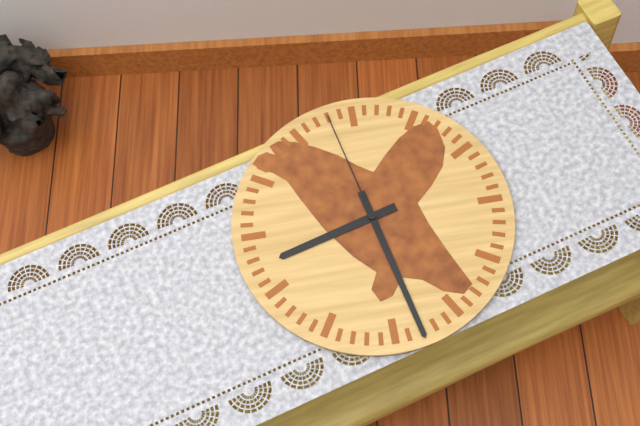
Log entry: h=8 m=28 s=58
